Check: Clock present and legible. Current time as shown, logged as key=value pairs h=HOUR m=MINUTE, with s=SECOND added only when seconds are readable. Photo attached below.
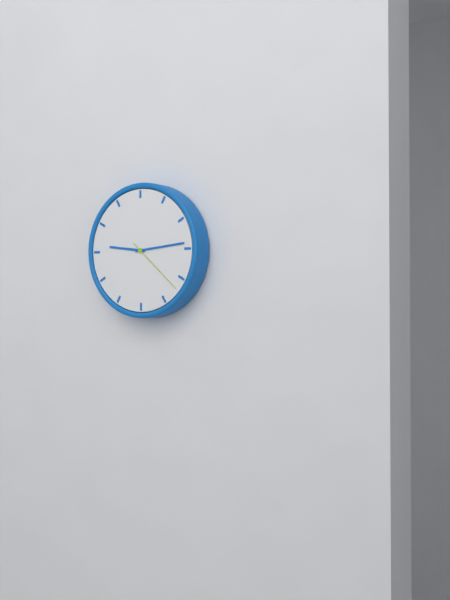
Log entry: h=9 m=14 s=22
